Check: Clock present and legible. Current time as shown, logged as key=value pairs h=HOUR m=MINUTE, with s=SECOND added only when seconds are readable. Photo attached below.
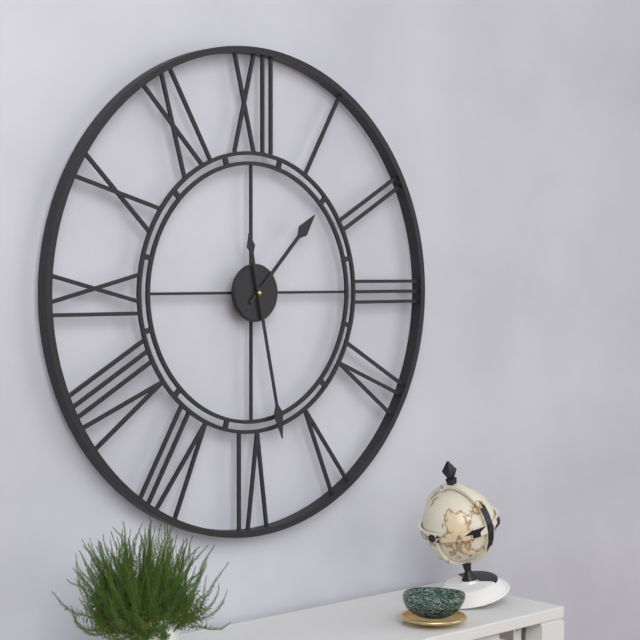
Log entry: h=1 m=28
